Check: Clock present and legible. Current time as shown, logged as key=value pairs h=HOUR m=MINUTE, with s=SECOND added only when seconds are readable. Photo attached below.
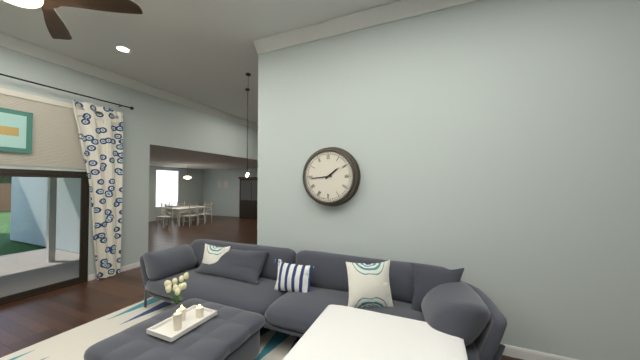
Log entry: h=1 m=44
